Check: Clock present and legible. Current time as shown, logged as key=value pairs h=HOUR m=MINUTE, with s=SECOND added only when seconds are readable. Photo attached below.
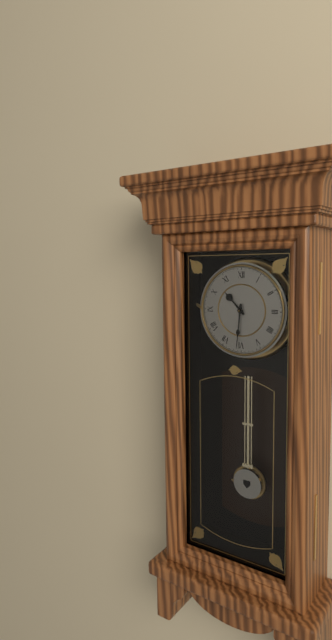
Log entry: h=10 m=31
